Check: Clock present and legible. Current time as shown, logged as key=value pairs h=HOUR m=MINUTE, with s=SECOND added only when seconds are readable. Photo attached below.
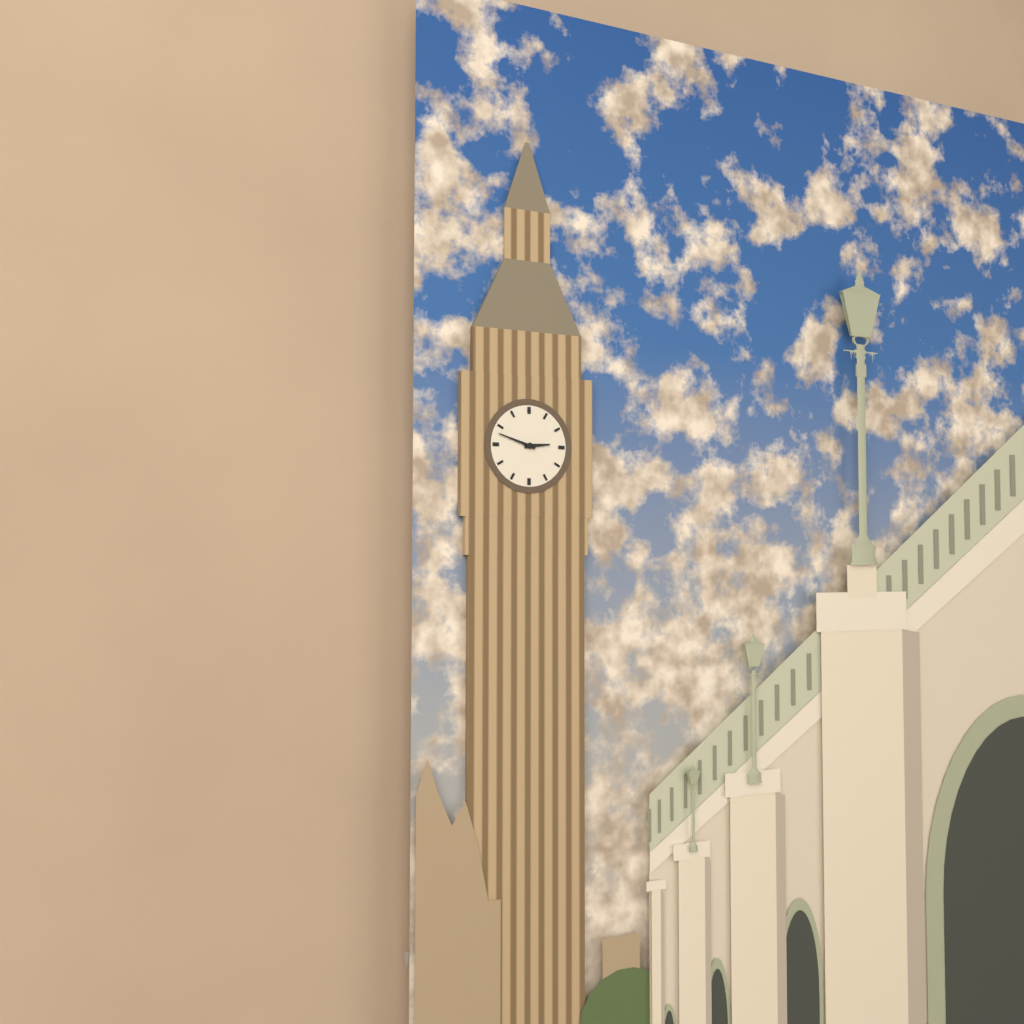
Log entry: h=2 m=48
